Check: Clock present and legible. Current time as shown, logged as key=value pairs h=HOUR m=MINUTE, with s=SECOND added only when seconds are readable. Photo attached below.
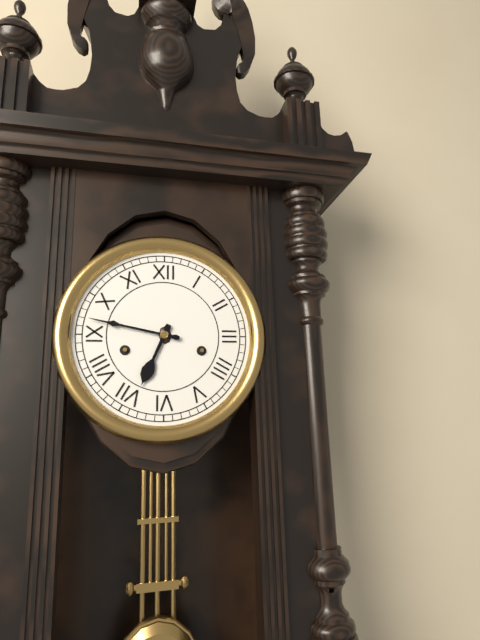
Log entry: h=6 m=47
